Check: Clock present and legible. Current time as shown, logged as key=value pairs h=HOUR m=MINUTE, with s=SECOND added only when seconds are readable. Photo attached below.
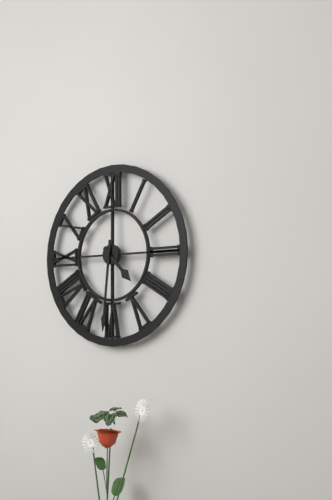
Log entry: h=4 m=31
